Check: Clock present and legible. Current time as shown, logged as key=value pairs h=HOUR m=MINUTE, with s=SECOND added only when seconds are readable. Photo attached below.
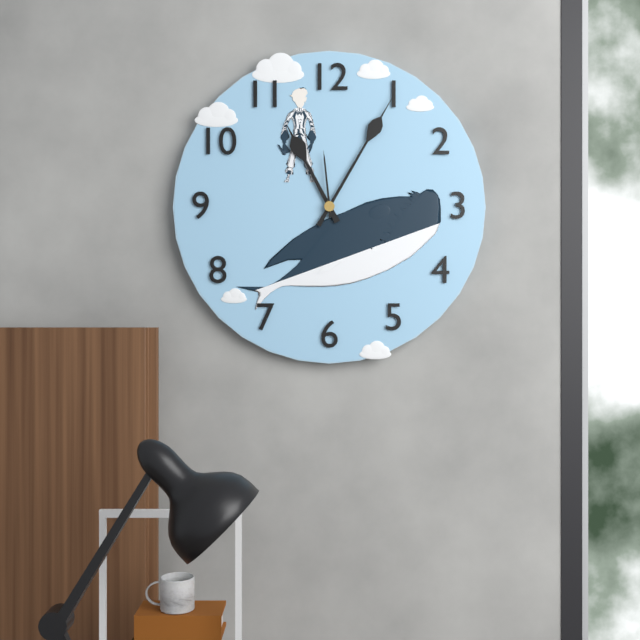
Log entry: h=11 m=5 s=59
